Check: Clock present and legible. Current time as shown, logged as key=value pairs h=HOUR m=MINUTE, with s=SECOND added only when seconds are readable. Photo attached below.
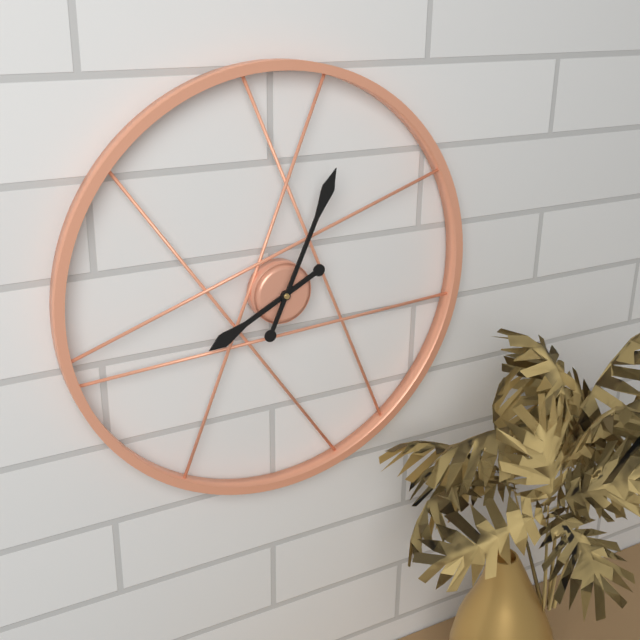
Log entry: h=8 m=4
